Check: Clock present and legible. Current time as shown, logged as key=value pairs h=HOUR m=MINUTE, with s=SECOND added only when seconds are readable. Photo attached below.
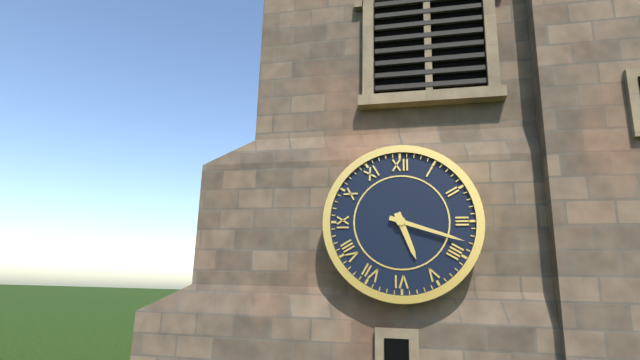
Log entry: h=5 m=18
